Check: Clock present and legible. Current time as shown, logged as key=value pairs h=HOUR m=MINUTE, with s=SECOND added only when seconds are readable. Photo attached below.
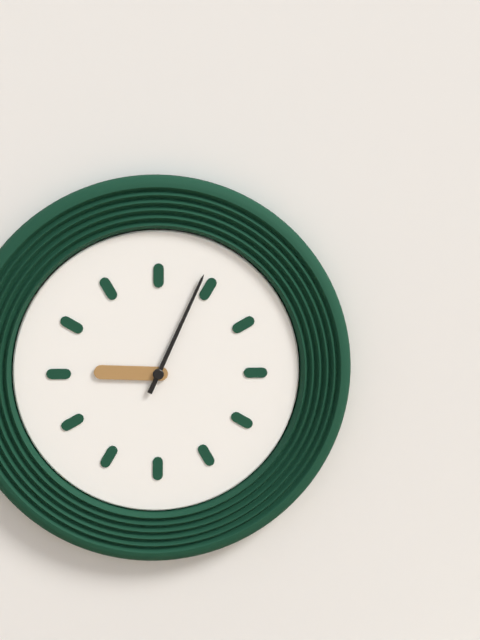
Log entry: h=9 m=4
